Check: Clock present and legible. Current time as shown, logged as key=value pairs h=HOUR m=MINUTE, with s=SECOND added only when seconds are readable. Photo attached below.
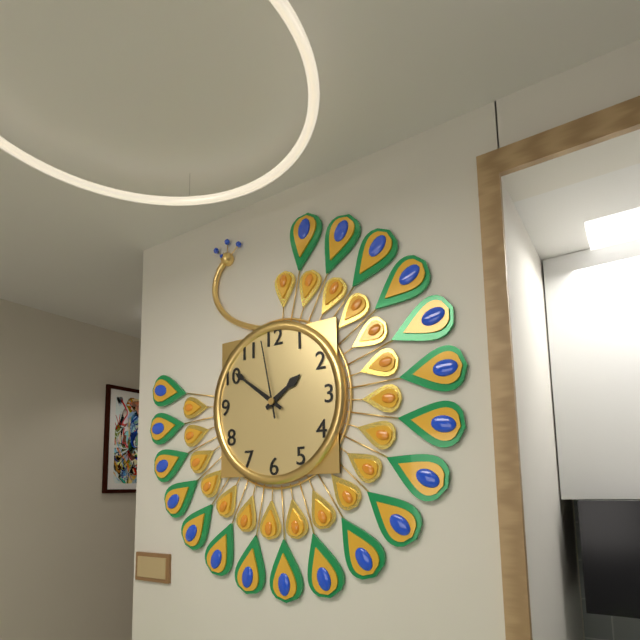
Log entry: h=1 m=51 s=58
